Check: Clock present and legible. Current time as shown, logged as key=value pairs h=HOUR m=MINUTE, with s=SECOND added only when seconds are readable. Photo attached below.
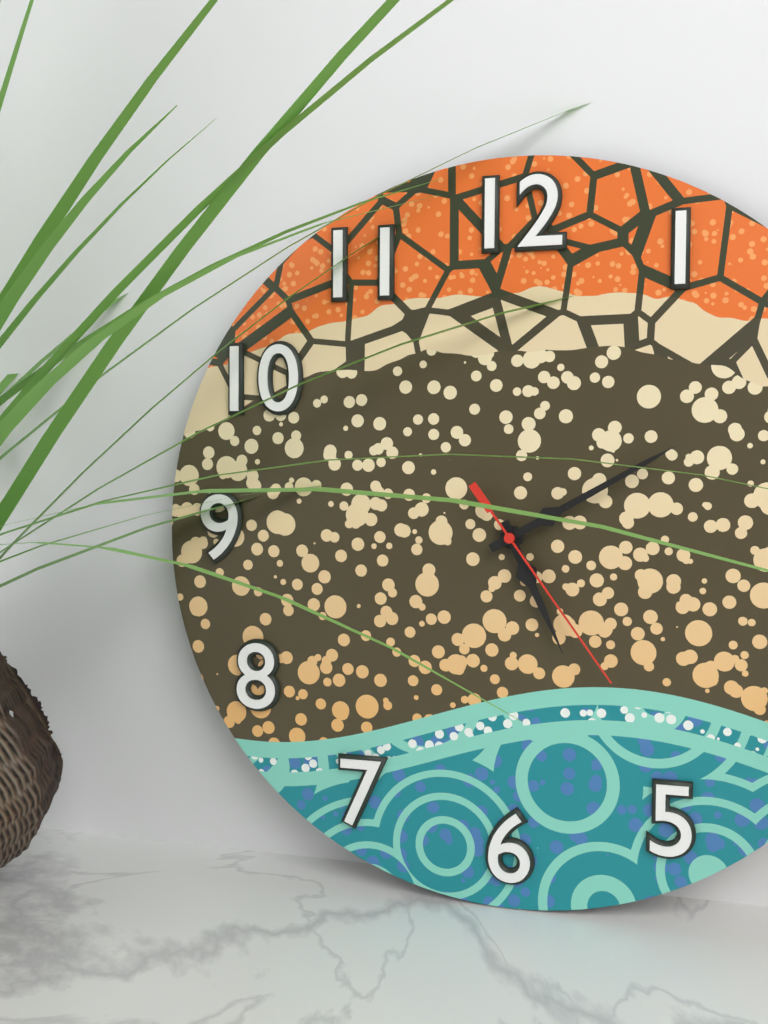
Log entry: h=5 m=10 s=24
